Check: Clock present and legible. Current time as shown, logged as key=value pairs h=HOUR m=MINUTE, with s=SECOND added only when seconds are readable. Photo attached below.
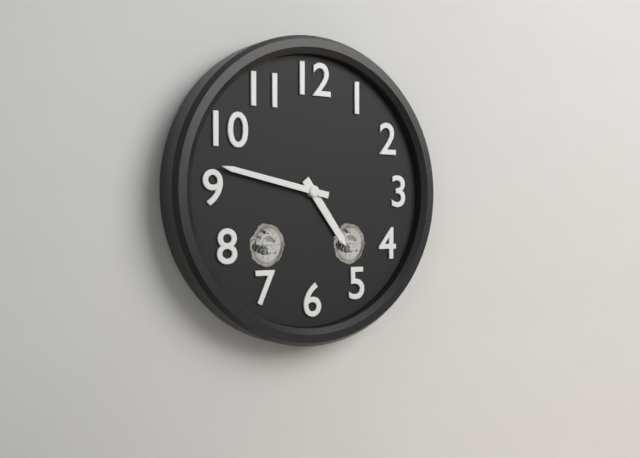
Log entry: h=4 m=47
